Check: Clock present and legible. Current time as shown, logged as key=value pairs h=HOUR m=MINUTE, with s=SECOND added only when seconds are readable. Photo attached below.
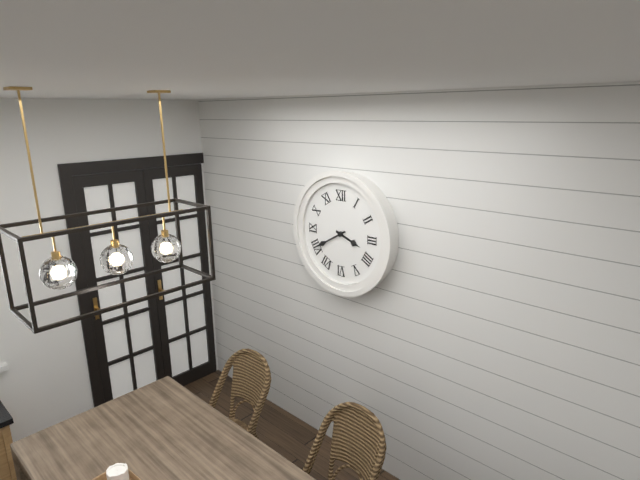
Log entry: h=3 m=40
